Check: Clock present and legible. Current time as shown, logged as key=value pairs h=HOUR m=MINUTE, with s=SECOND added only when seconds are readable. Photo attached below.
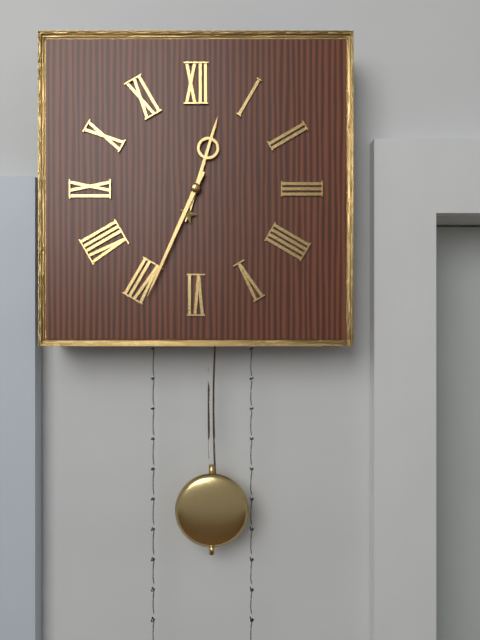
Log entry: h=12 m=34
